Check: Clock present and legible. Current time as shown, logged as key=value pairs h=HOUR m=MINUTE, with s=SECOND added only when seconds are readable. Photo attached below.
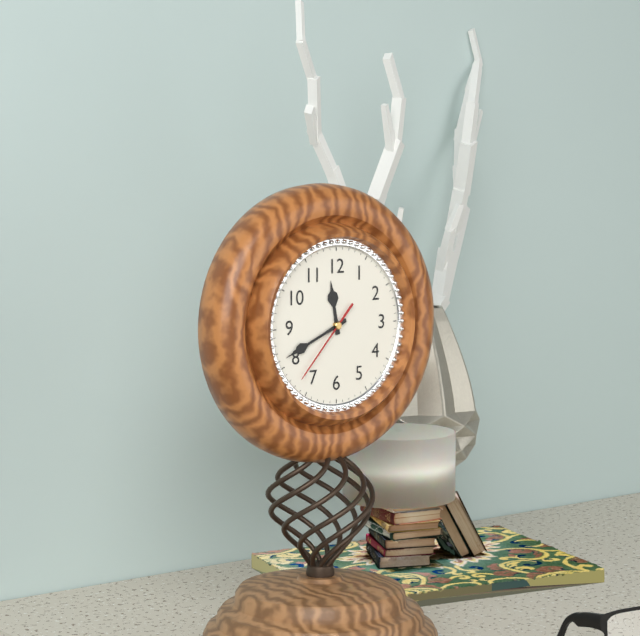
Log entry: h=11 m=41 s=37
